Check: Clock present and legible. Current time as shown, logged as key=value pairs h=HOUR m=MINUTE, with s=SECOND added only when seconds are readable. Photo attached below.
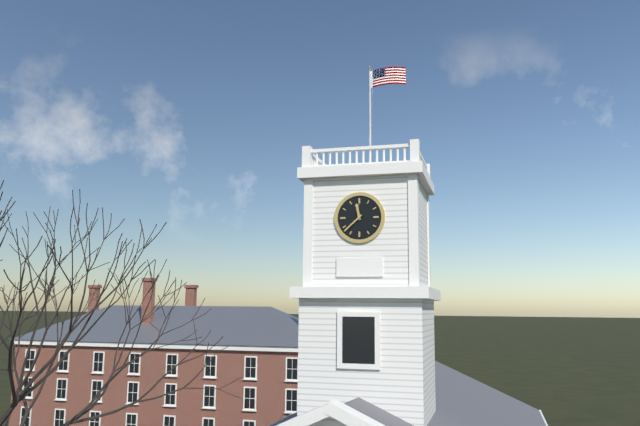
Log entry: h=11 m=38
